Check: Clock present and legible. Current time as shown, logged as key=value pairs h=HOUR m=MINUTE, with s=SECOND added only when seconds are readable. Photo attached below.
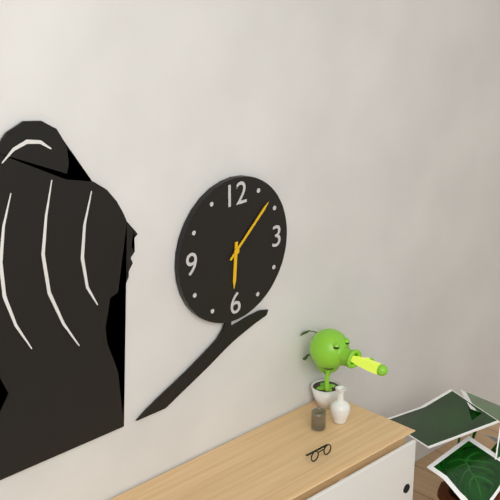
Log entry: h=6 m=8
